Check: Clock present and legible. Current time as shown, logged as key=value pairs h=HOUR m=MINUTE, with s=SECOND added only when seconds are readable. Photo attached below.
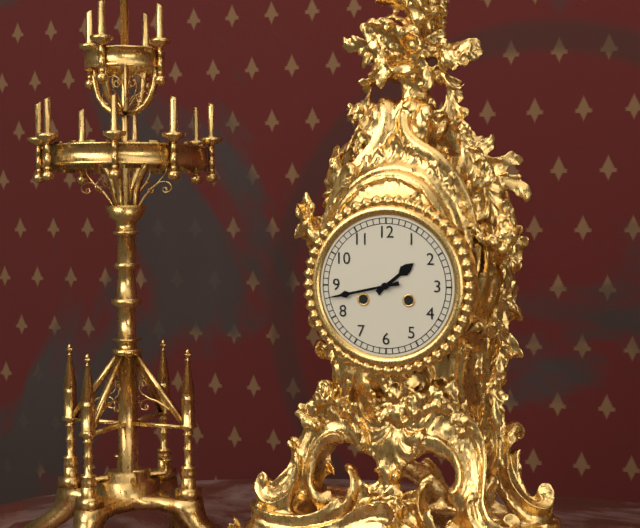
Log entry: h=1 m=43
